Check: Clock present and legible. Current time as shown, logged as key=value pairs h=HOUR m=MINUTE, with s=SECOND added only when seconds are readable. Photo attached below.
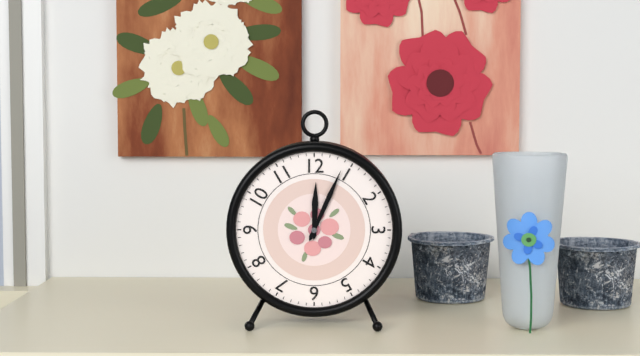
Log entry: h=12 m=4
